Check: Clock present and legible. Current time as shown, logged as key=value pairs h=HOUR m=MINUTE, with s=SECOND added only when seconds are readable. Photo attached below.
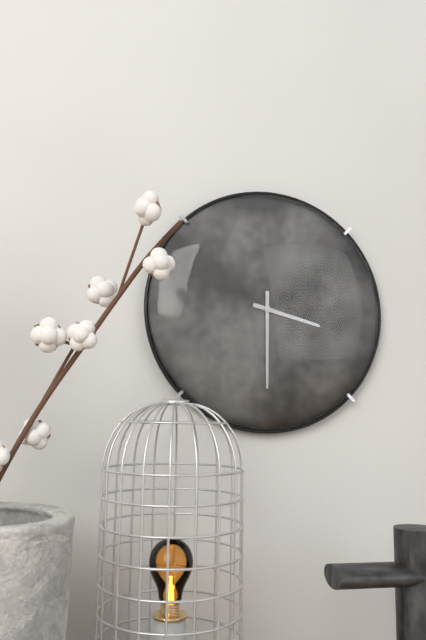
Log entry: h=3 m=30
